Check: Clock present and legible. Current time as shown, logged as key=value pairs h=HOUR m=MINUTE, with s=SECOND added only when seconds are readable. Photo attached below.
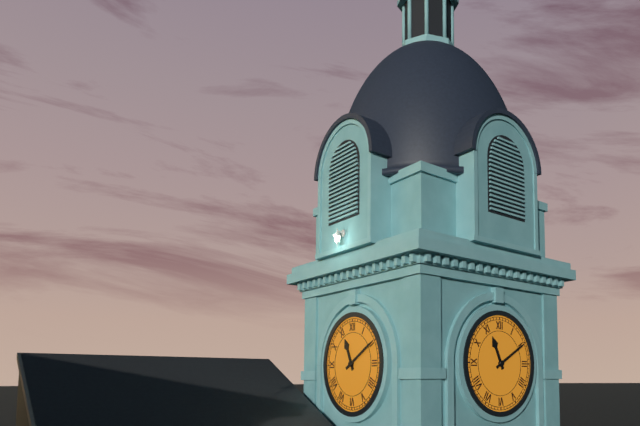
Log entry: h=11 m=10
